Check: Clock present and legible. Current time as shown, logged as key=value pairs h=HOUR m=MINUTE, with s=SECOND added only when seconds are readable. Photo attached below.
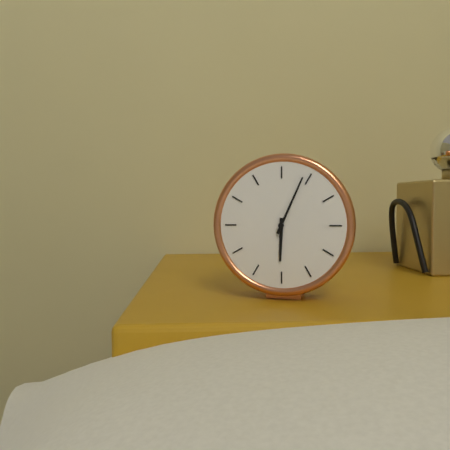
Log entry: h=6 m=4
